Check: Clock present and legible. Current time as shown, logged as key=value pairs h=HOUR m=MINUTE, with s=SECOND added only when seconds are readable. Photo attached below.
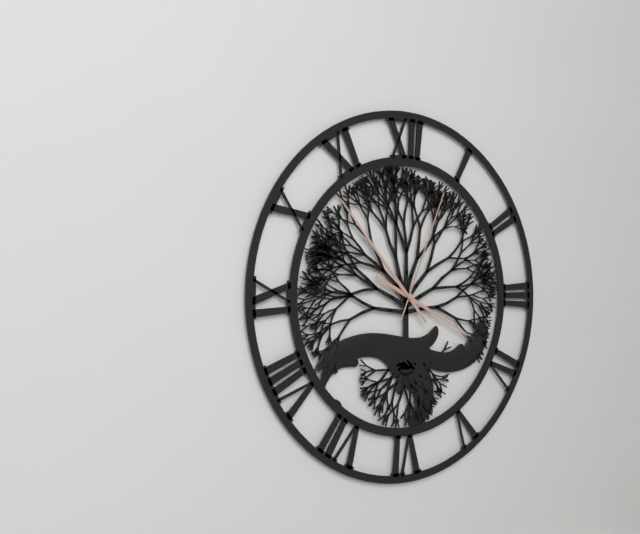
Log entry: h=3 m=53 s=4
